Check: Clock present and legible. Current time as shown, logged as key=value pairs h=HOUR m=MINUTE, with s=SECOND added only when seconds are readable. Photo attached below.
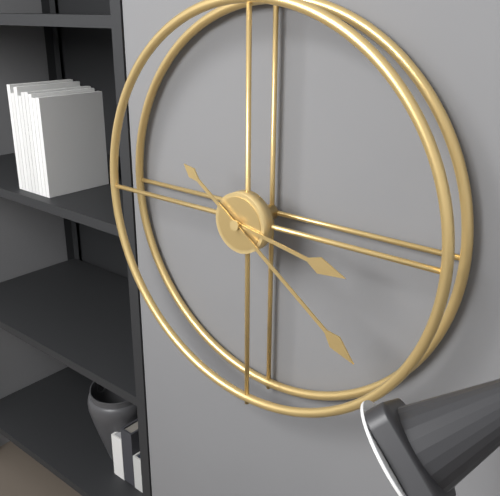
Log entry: h=3 m=21
